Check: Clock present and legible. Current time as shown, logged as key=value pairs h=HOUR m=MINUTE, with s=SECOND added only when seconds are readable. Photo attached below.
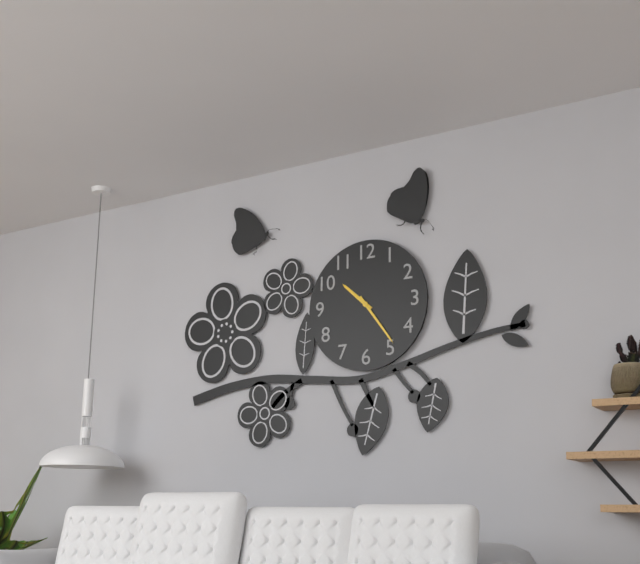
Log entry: h=10 m=24
